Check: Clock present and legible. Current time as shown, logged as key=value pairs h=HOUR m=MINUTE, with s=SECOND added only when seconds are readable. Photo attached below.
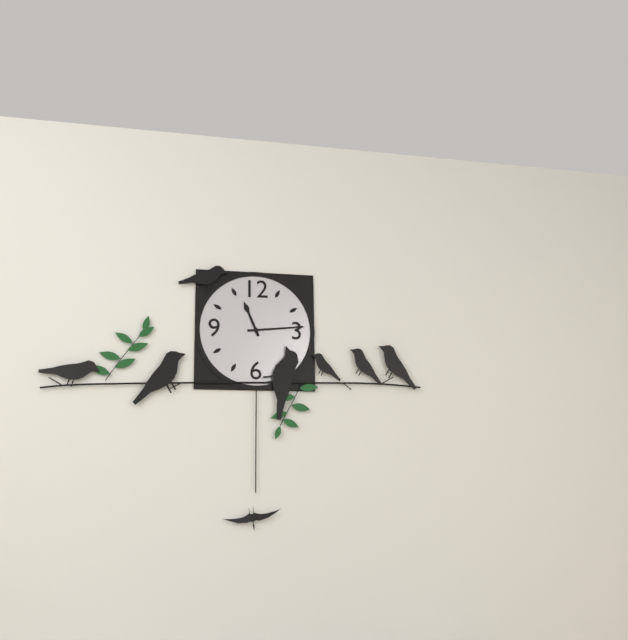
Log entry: h=11 m=14
